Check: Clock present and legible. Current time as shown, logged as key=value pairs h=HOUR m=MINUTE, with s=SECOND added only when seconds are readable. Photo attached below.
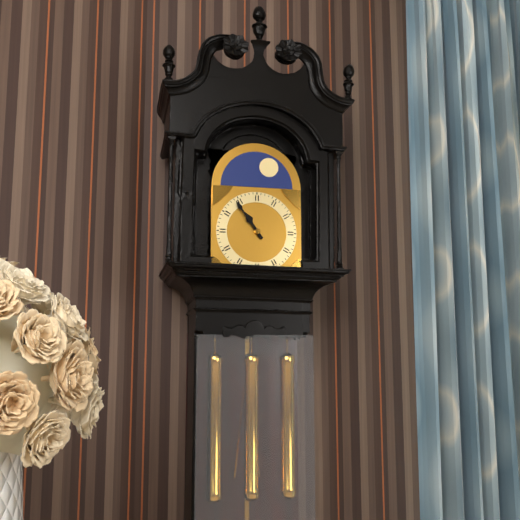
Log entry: h=10 m=54
